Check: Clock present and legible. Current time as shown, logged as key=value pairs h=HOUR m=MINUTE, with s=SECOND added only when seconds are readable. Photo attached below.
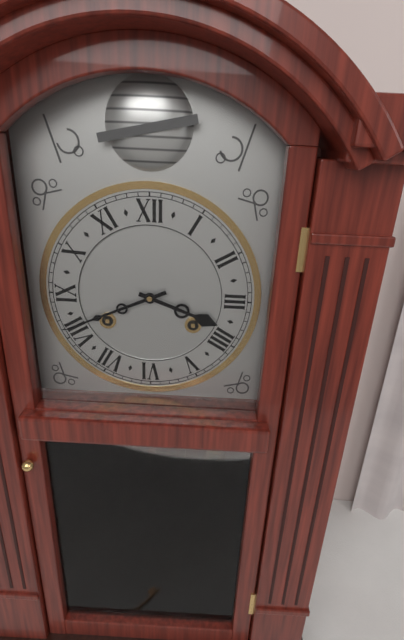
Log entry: h=3 m=41
